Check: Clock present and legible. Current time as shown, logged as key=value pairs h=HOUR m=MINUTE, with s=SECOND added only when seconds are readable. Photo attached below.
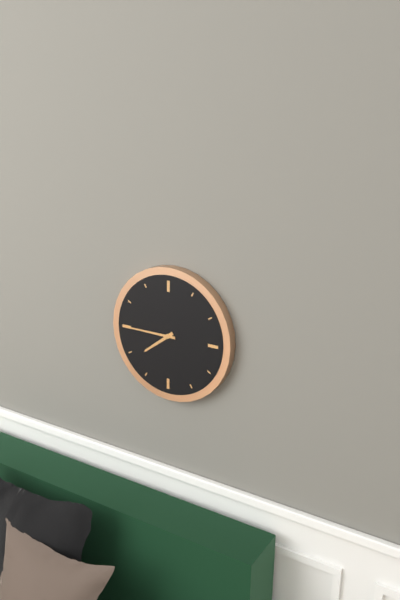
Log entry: h=7 m=45
